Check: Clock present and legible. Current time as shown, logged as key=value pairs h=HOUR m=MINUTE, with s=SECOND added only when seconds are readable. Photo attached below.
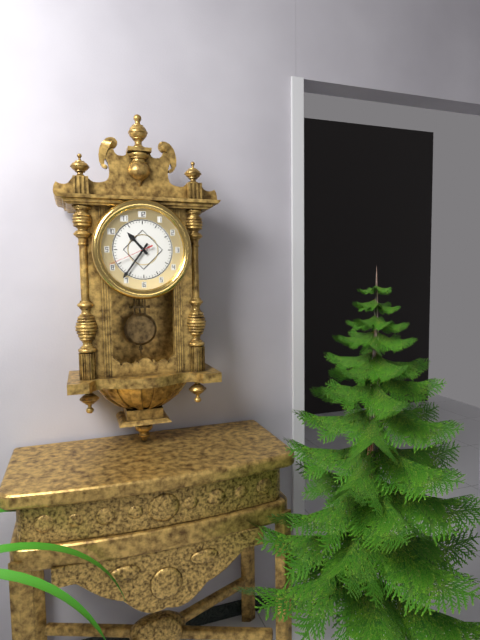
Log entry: h=10 m=36
